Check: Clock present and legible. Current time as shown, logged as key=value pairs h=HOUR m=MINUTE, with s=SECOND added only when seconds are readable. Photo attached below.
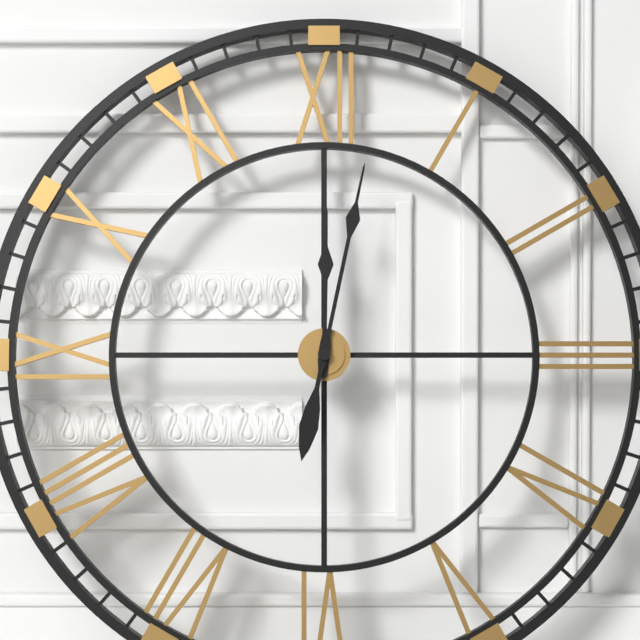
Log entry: h=12 m=2
